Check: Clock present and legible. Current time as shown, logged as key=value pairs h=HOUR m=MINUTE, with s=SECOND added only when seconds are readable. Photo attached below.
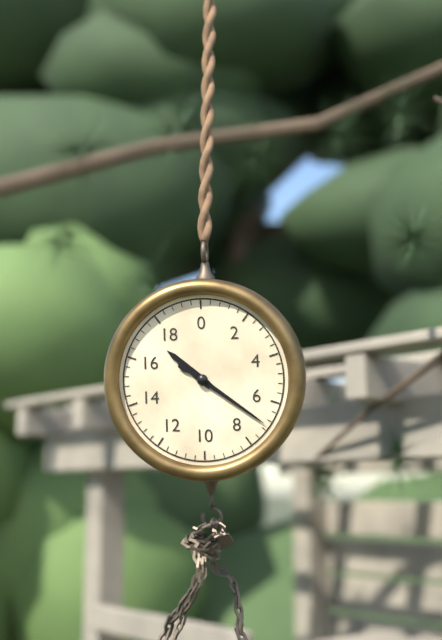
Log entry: h=10 m=21
